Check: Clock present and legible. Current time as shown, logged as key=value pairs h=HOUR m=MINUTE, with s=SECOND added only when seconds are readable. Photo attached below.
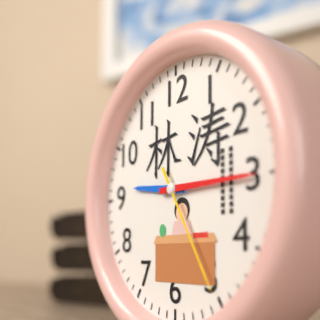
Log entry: h=9 m=15 s=25
